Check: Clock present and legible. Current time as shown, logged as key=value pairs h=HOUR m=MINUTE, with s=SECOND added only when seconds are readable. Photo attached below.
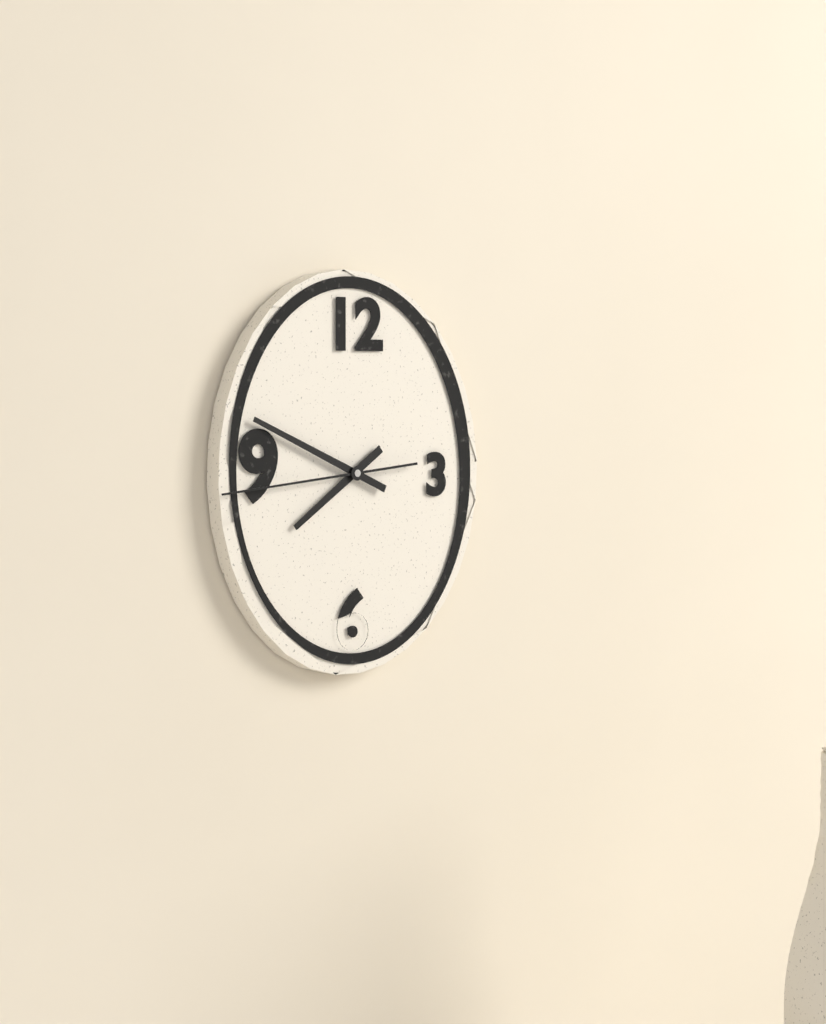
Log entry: h=7 m=49 s=44
